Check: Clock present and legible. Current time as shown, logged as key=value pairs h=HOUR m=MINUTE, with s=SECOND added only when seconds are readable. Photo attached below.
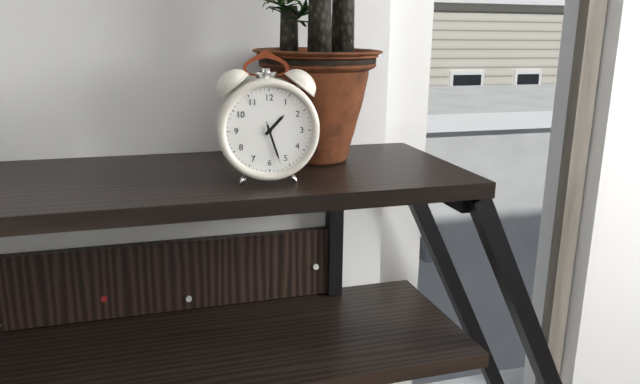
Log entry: h=1 m=27
